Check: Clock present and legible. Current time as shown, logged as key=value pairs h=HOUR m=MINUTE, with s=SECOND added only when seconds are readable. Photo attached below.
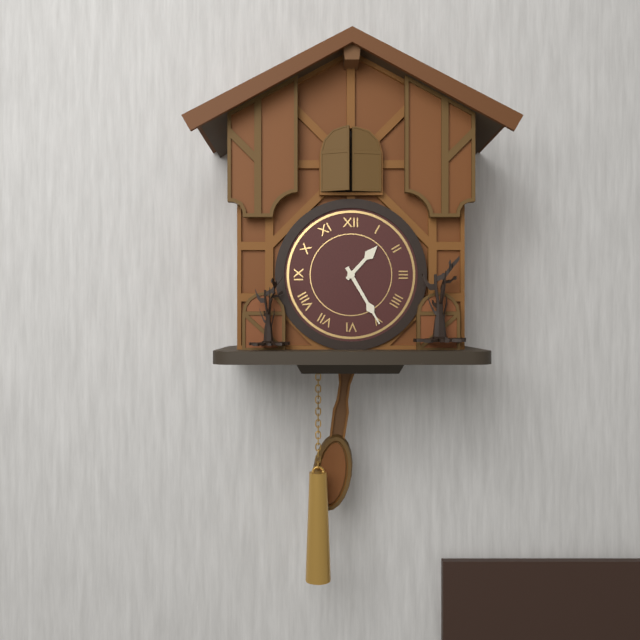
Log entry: h=1 m=25
